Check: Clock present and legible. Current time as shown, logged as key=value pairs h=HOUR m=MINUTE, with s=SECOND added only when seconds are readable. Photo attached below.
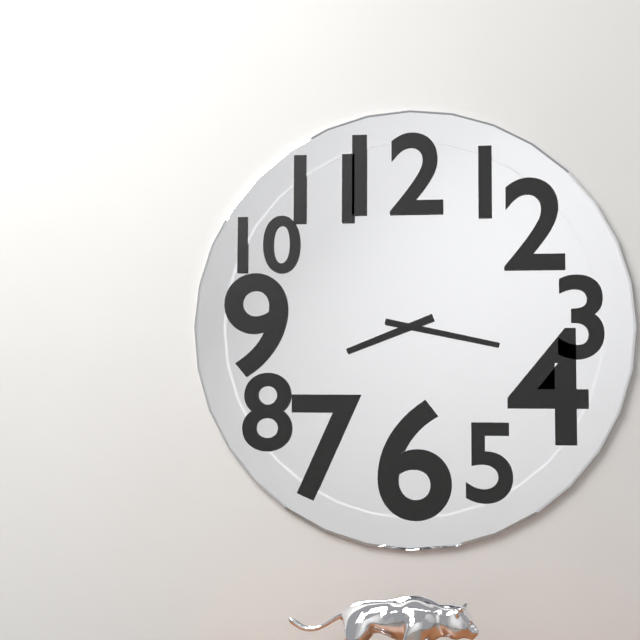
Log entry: h=8 m=17
